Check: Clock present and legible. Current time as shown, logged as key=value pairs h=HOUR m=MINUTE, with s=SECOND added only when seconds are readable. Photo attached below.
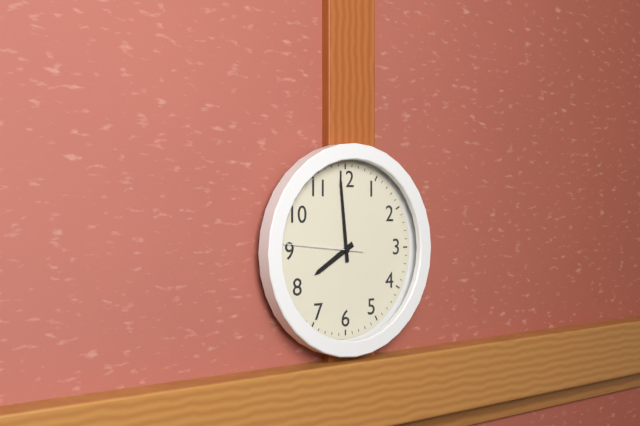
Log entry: h=7 m=59 s=46
